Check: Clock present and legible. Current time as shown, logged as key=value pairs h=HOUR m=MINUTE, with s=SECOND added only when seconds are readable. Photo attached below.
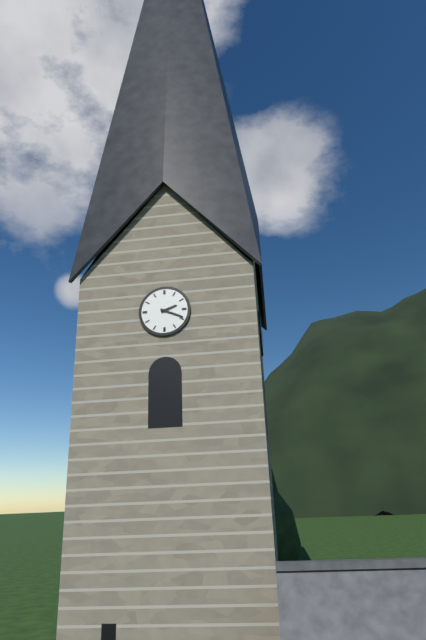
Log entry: h=2 m=19
